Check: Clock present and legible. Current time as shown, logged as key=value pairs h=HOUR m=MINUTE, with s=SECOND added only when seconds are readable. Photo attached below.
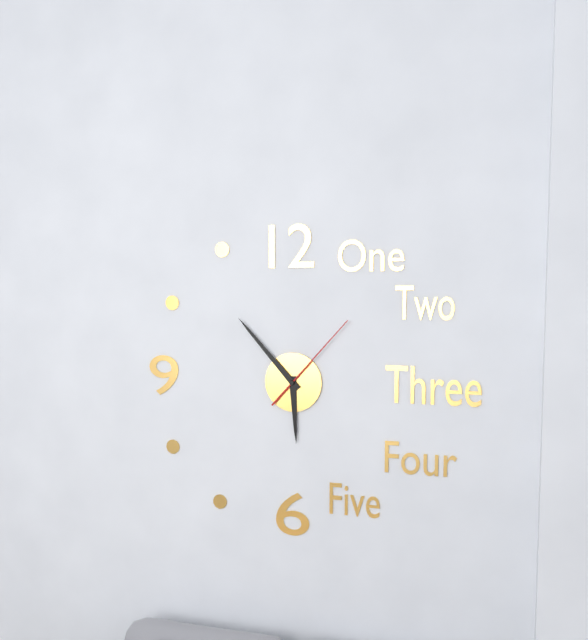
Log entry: h=5 m=53 s=7
